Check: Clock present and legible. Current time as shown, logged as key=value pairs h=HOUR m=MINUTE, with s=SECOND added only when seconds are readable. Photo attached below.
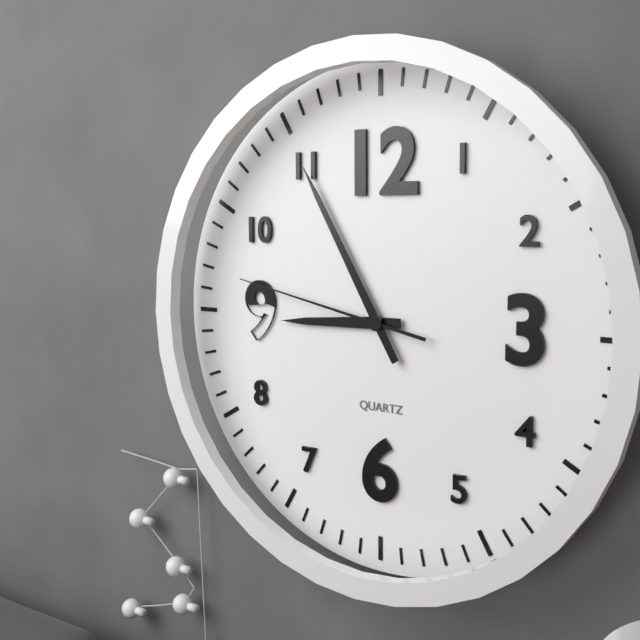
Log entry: h=8 m=55 s=47
